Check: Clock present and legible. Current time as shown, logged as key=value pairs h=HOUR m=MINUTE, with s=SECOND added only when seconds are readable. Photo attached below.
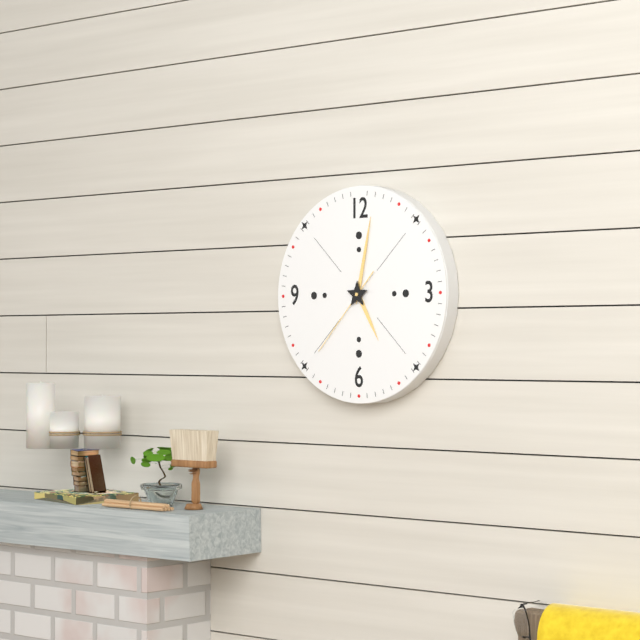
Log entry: h=5 m=2 s=37
